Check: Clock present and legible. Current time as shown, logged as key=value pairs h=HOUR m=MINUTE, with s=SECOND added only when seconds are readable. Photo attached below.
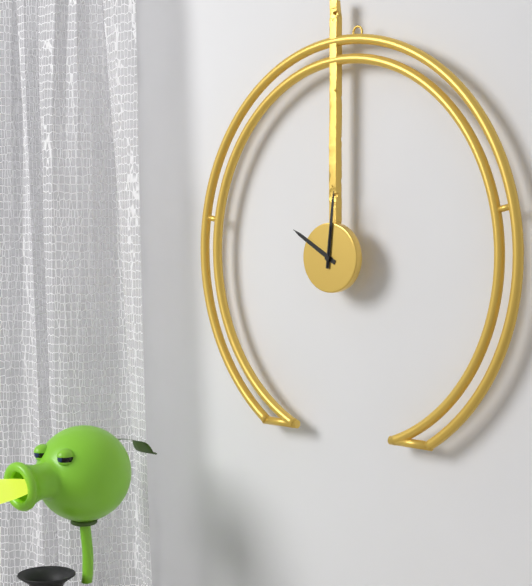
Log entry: h=10 m=1
